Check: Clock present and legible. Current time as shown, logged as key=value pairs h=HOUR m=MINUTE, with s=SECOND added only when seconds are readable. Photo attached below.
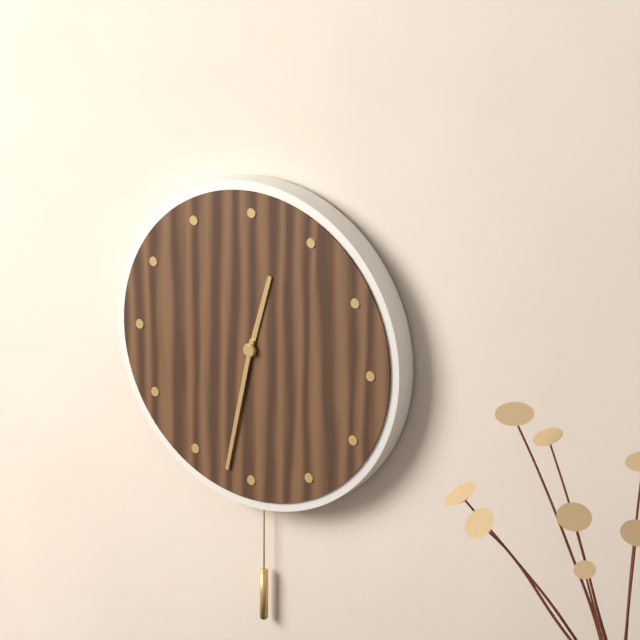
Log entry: h=12 m=32
